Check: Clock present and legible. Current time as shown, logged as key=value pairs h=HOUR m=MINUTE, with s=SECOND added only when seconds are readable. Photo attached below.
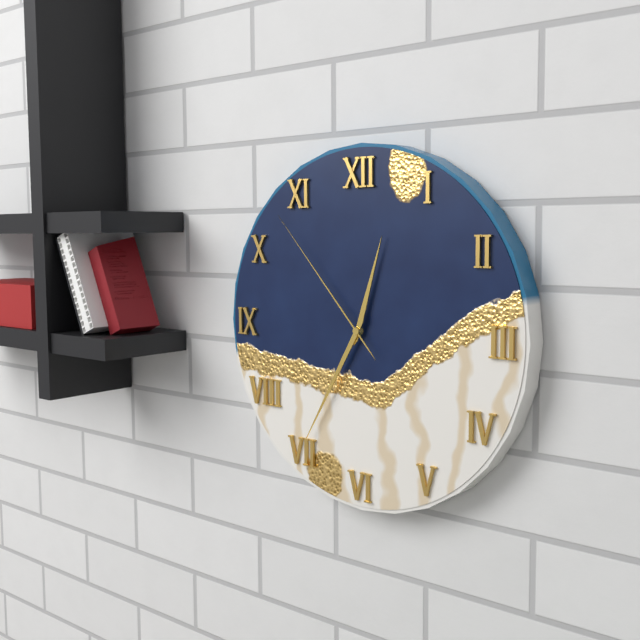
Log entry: h=12 m=35 s=53
